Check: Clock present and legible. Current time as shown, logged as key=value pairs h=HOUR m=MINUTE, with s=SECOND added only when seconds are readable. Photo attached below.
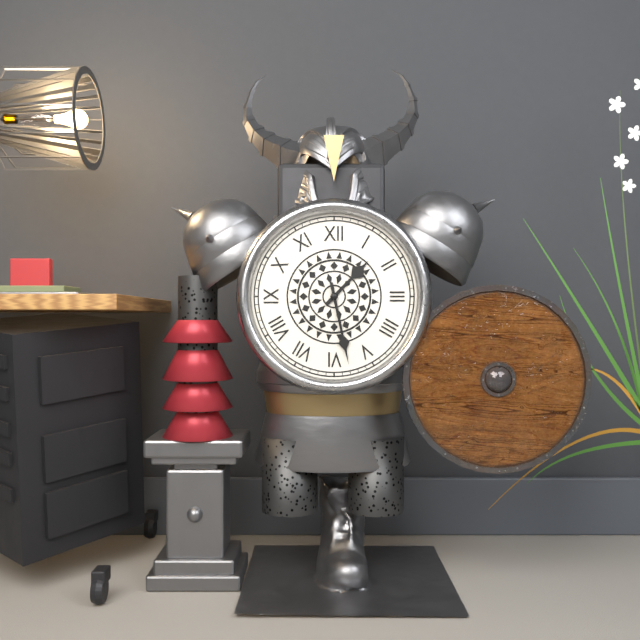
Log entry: h=1 m=28
